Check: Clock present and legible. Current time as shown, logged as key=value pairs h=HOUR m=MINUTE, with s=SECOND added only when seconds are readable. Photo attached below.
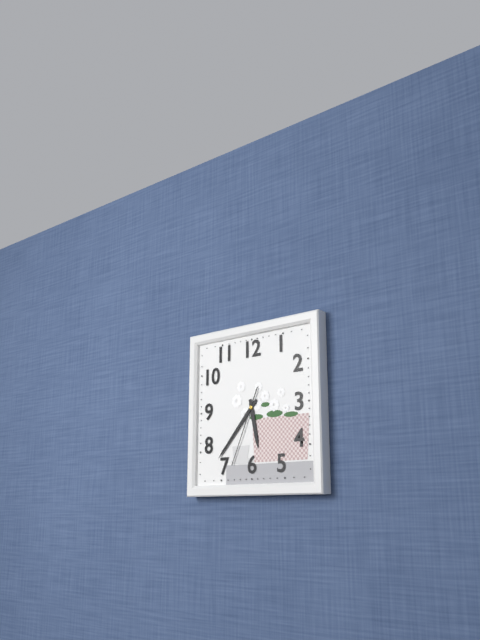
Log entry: h=5 m=37 s=34
